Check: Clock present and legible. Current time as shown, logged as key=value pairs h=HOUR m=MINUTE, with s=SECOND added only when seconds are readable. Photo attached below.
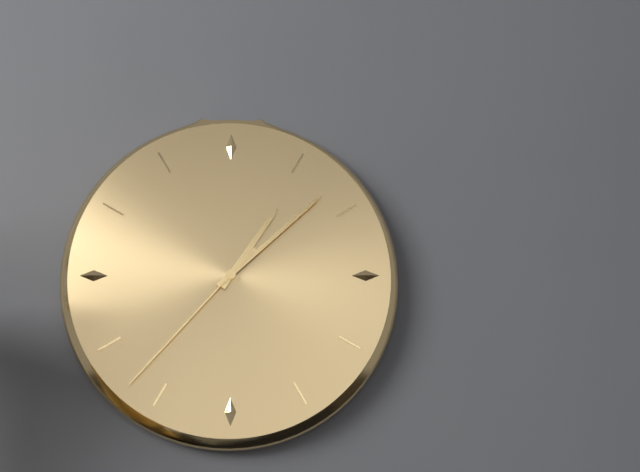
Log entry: h=1 m=8 s=37
